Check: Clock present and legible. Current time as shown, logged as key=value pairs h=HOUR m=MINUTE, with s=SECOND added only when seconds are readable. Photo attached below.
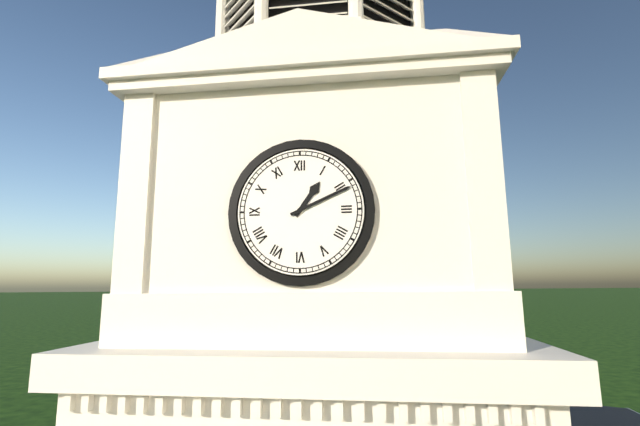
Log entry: h=1 m=11
